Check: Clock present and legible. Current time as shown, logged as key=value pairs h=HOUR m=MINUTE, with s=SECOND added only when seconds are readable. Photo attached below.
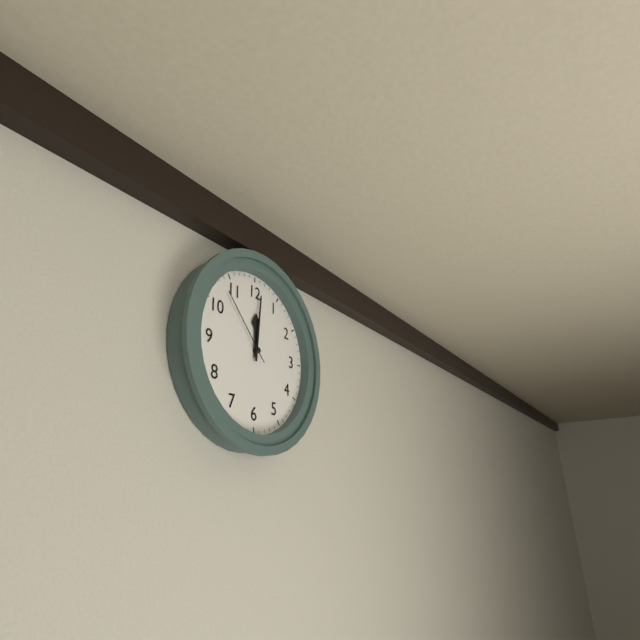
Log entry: h=12 m=1 s=53
